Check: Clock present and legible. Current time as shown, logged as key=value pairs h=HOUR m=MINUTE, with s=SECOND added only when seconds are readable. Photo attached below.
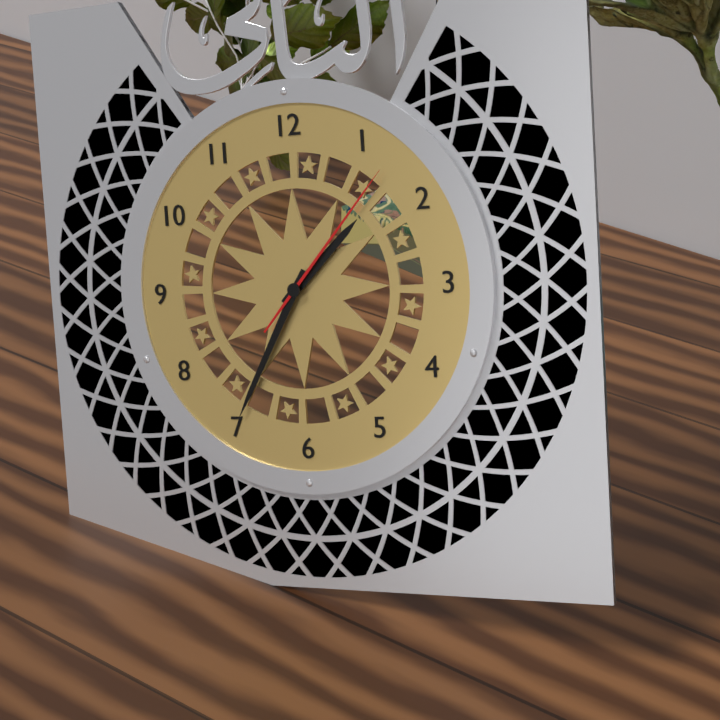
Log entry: h=1 m=35 s=7
